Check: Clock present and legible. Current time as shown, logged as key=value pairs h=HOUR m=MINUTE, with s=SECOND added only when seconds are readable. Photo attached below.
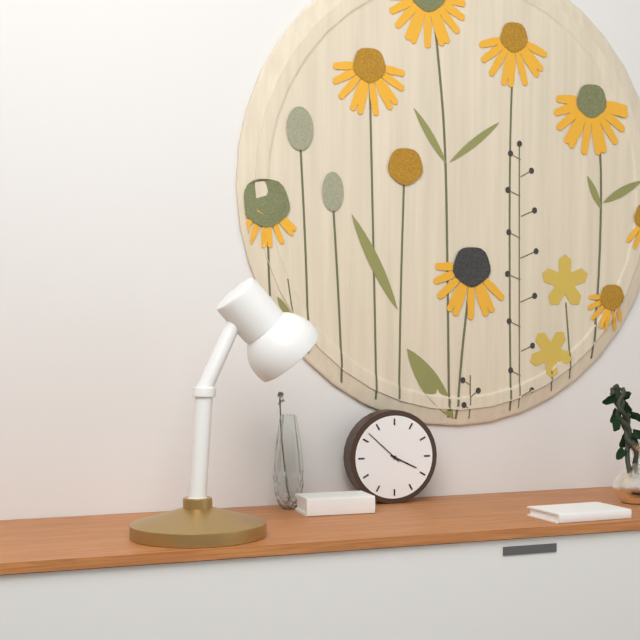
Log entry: h=3 m=52
